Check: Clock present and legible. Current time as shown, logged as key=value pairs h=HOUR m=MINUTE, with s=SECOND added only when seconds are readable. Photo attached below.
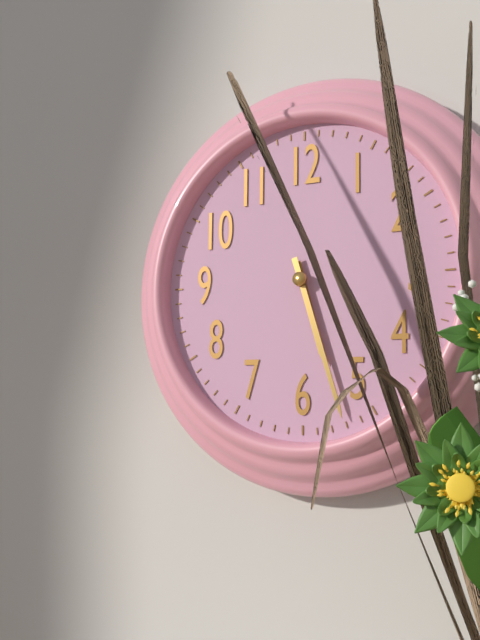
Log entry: h=5 m=27
